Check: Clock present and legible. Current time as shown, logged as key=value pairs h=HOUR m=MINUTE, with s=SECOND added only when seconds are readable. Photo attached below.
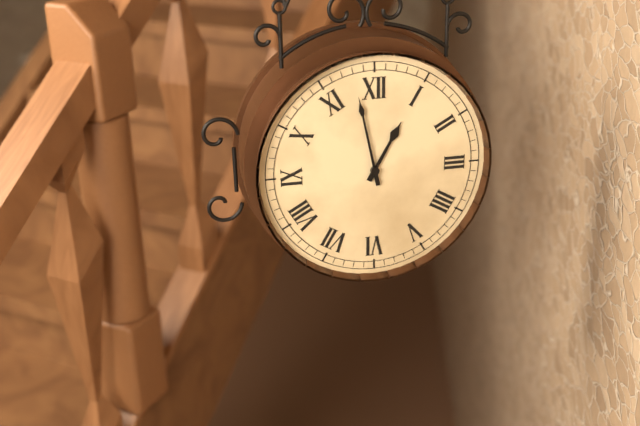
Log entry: h=12 m=58
